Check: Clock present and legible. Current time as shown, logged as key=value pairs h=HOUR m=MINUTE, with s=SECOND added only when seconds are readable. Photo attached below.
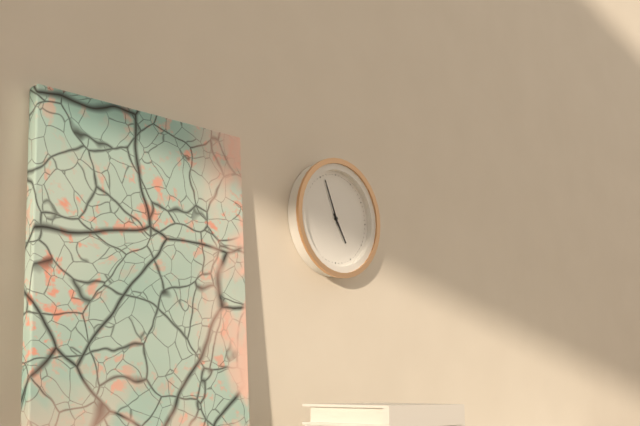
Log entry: h=4 m=56
